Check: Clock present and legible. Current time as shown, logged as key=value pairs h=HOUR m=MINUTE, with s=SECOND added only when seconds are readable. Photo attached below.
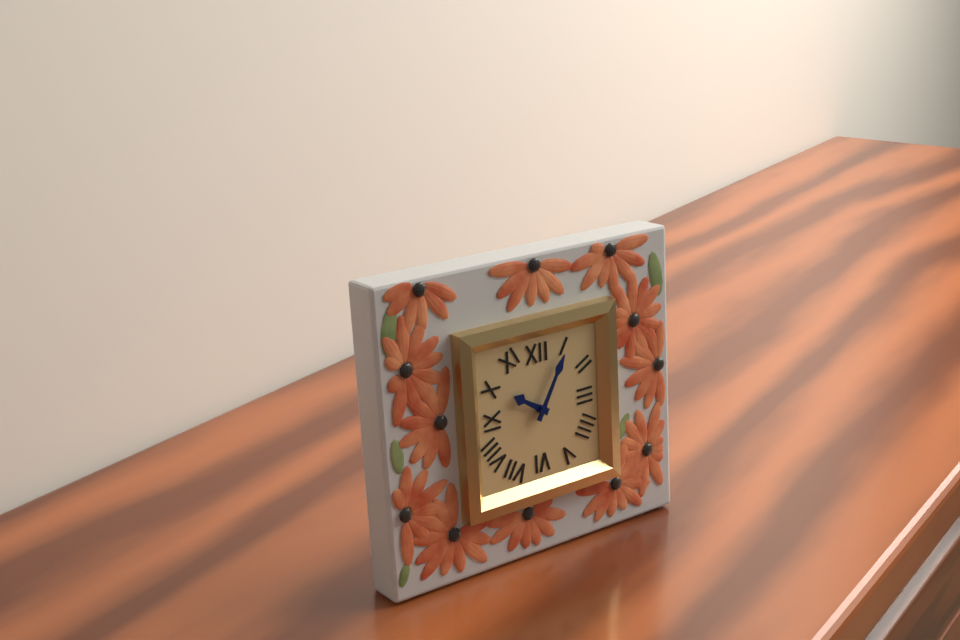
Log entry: h=10 m=5
